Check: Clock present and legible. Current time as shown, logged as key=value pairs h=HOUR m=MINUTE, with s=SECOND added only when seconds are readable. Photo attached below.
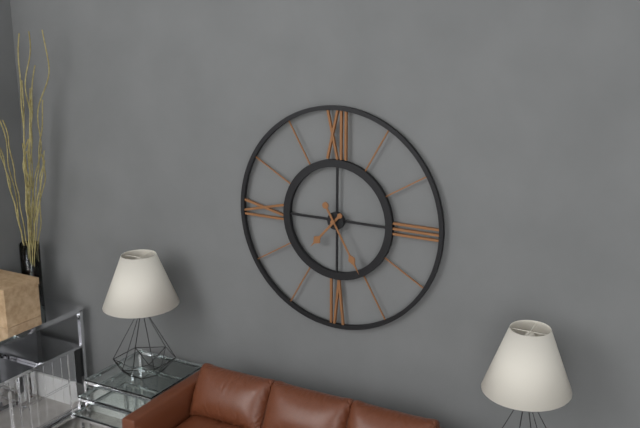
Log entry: h=7 m=25
